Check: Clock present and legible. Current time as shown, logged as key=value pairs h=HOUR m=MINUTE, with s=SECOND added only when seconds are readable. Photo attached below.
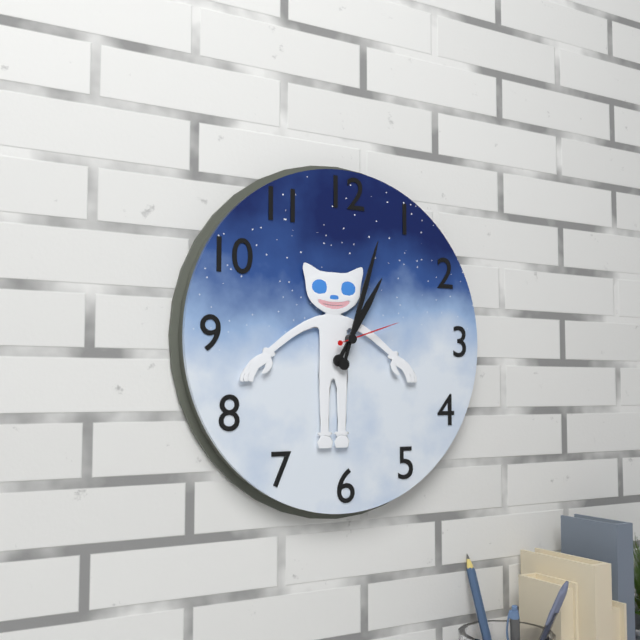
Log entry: h=1 m=3 s=12
